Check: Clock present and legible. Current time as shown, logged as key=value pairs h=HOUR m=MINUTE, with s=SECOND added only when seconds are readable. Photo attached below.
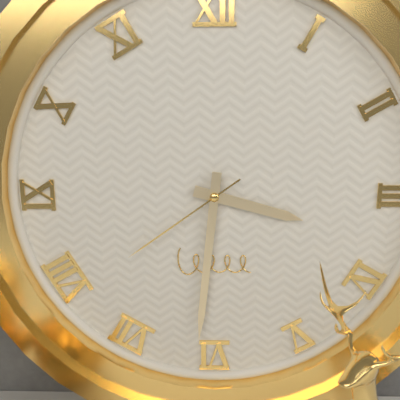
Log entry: h=3 m=31 s=39
